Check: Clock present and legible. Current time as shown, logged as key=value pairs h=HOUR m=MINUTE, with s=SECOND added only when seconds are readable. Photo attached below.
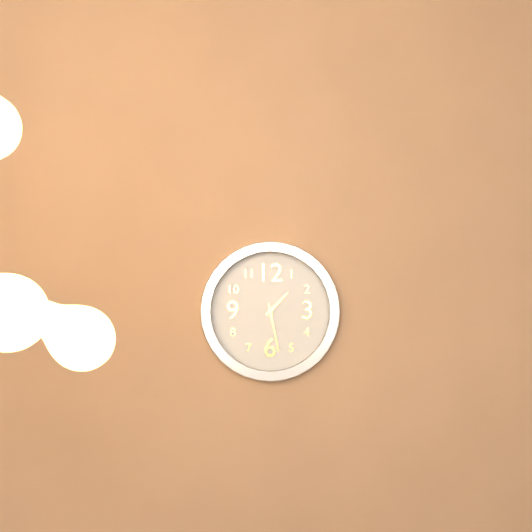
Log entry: h=1 m=28
